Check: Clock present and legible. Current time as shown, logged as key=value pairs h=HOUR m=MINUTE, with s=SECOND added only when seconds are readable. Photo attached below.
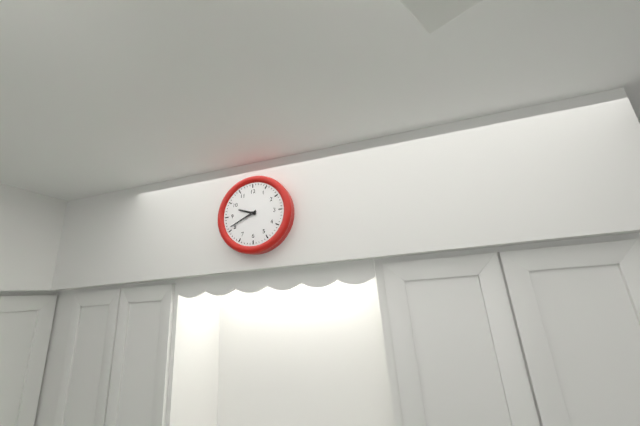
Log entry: h=9 m=41
